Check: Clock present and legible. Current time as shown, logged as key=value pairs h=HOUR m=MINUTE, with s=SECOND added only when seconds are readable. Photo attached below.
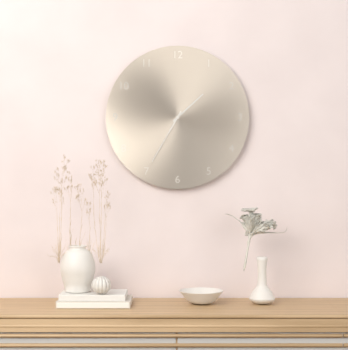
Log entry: h=1 m=35
